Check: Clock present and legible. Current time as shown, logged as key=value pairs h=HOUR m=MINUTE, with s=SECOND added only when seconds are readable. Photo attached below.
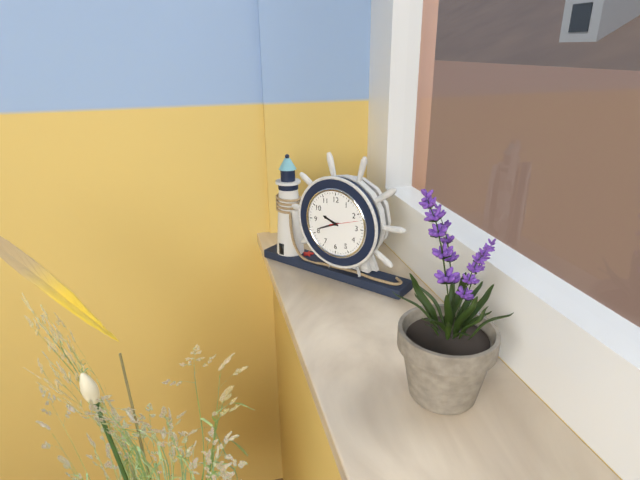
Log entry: h=9 m=41
